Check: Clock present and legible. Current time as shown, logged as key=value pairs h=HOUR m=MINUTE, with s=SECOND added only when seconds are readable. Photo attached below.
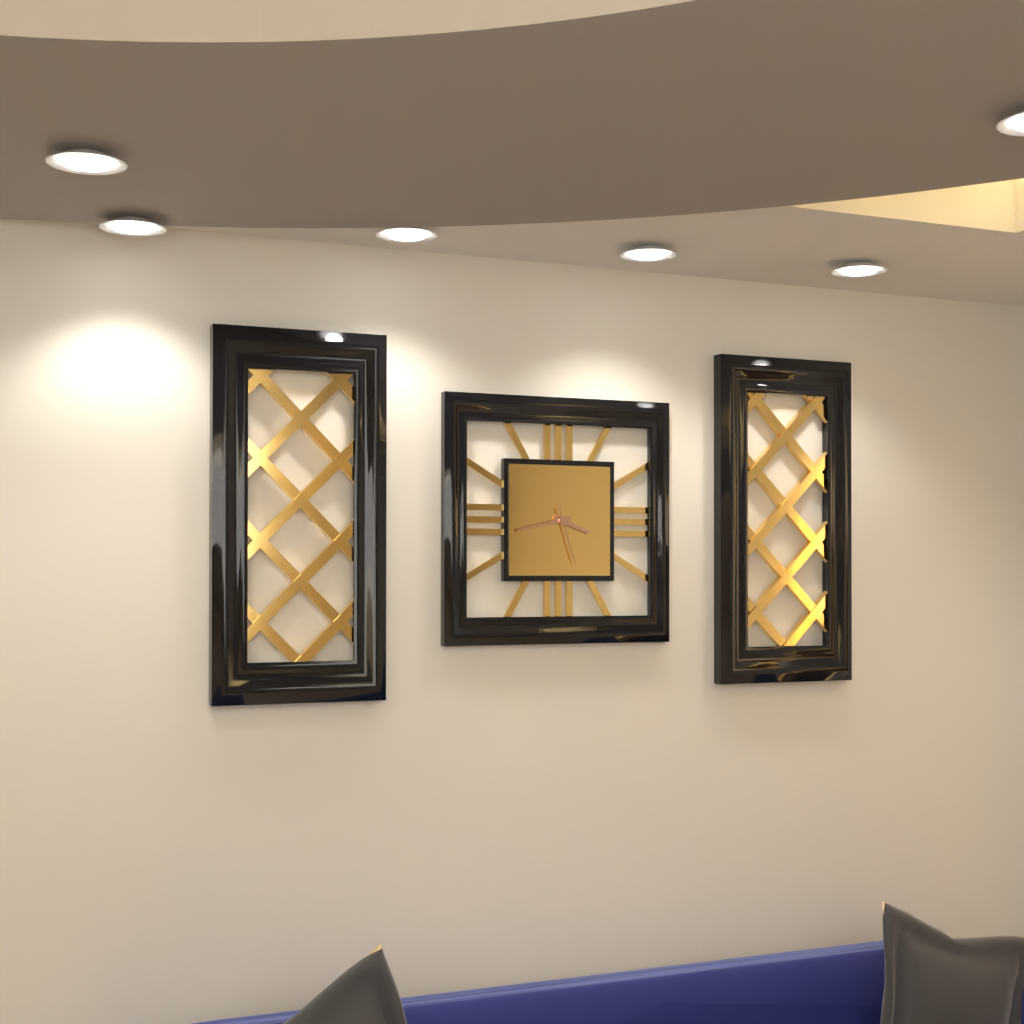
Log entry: h=3 m=43 s=27
